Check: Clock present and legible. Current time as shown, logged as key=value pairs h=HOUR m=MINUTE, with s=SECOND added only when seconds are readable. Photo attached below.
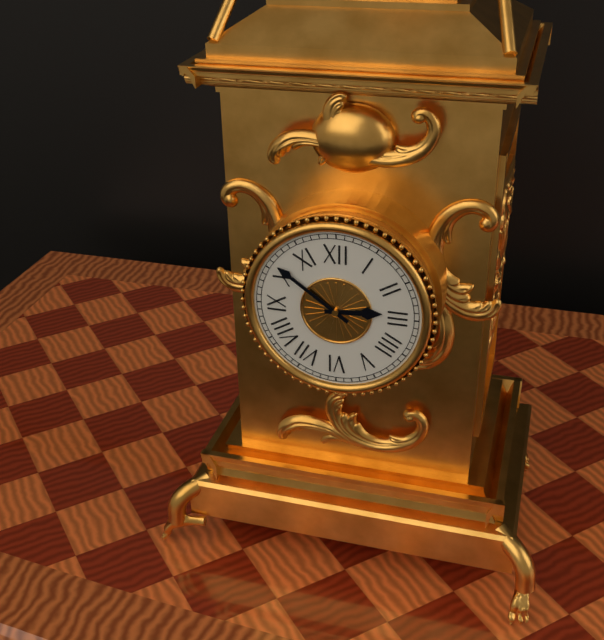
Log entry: h=2 m=51
